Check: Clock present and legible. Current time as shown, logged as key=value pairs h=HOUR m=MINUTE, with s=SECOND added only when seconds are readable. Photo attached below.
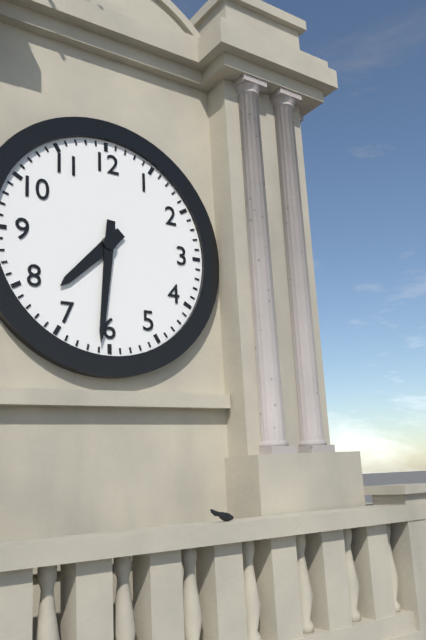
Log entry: h=7 m=31
